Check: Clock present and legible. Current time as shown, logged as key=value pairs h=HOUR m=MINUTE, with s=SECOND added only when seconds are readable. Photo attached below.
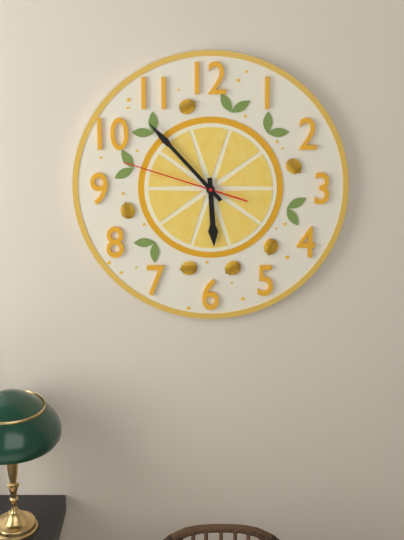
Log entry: h=5 m=53 s=48
